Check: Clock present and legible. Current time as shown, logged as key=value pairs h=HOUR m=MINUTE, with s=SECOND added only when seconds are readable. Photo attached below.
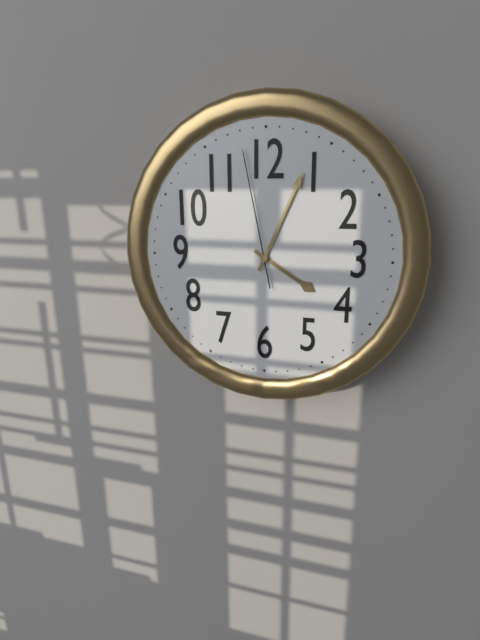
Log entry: h=4 m=4 s=58
